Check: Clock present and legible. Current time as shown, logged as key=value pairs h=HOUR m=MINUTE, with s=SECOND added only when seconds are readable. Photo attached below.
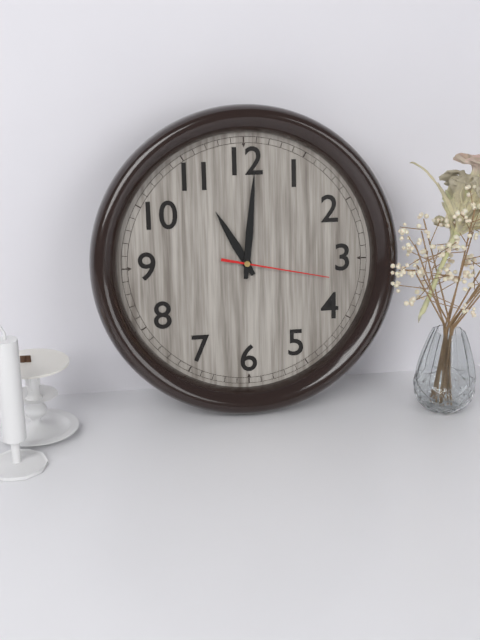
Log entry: h=11 m=1 s=17
